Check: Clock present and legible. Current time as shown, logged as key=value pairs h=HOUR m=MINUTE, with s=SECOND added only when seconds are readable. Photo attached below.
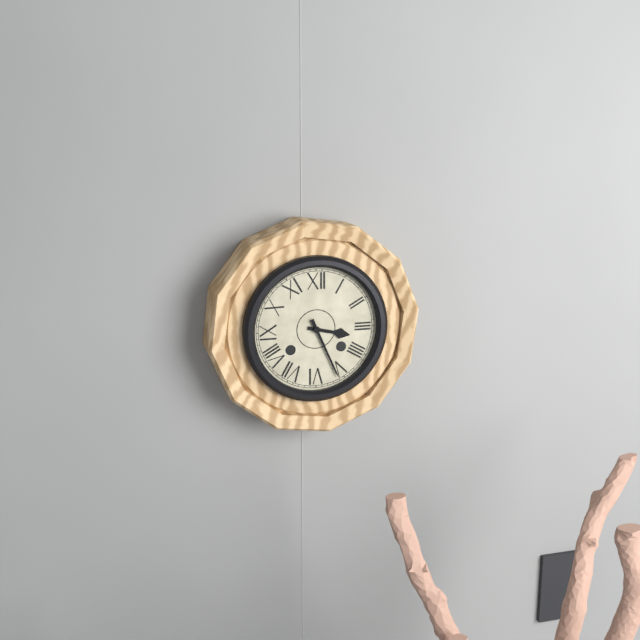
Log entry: h=3 m=26
